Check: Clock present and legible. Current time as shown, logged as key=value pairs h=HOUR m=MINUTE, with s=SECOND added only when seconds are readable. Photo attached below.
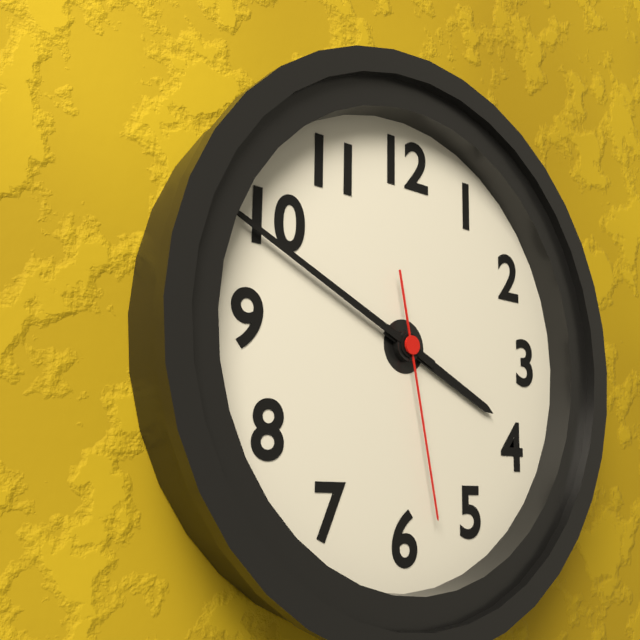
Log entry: h=3 m=49 s=28
